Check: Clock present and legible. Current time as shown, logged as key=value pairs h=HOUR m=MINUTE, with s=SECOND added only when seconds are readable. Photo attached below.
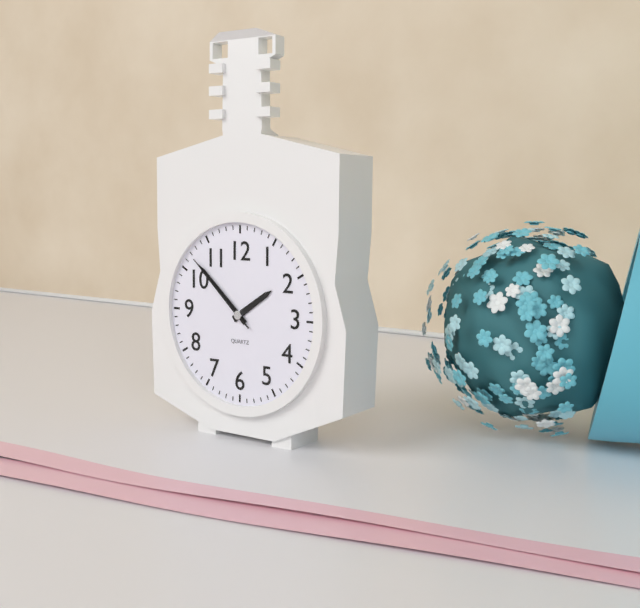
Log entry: h=1 m=52 s=52
